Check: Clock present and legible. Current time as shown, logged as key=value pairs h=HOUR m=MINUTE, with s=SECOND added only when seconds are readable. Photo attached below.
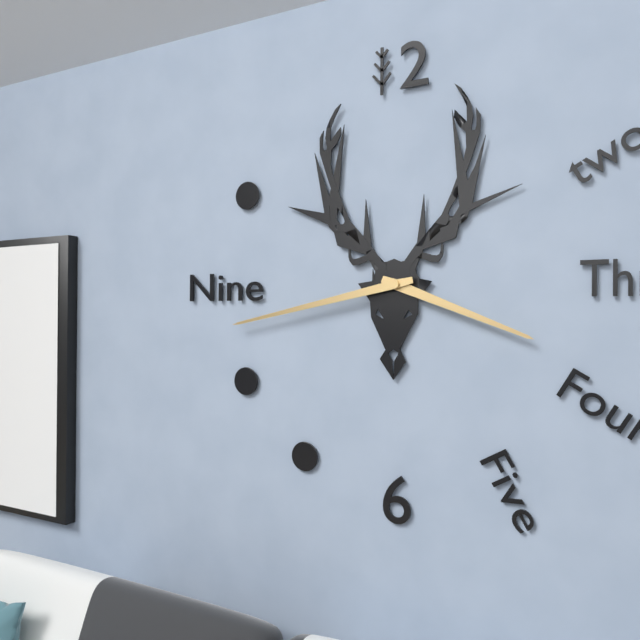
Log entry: h=3 m=43
